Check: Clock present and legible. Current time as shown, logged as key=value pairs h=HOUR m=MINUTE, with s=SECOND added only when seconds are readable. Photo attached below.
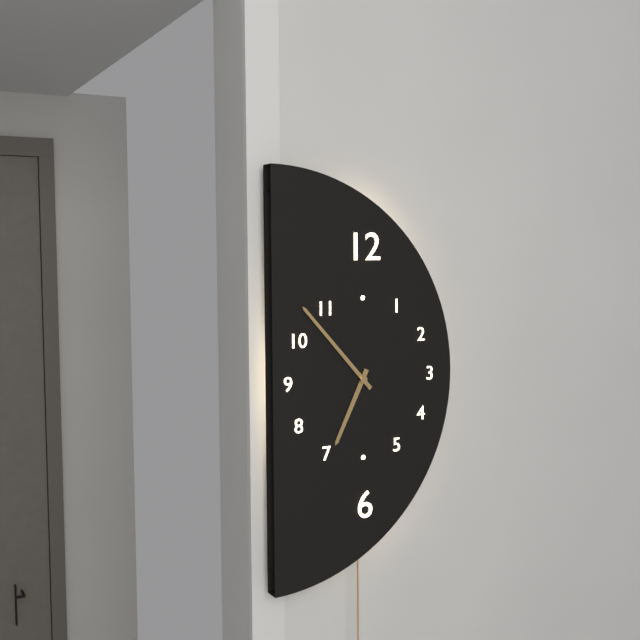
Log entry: h=6 m=53
